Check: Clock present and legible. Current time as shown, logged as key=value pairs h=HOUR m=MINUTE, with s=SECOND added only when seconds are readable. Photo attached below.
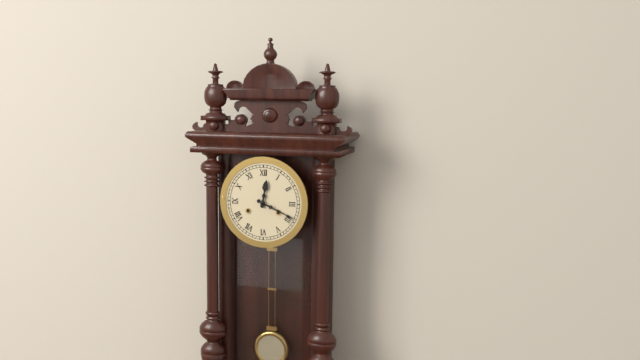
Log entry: h=12 m=19
